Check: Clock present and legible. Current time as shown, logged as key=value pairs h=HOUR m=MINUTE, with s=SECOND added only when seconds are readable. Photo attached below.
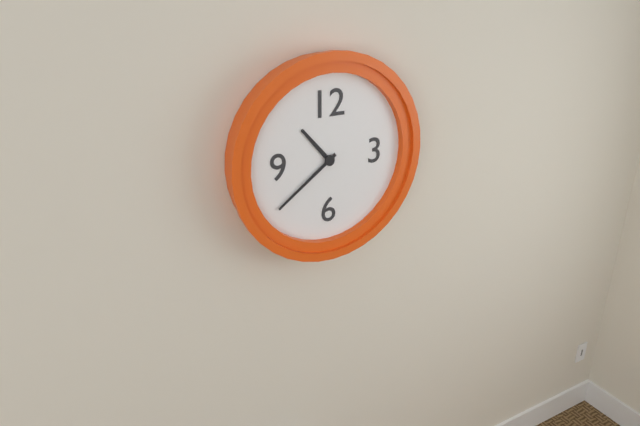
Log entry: h=10 m=39
